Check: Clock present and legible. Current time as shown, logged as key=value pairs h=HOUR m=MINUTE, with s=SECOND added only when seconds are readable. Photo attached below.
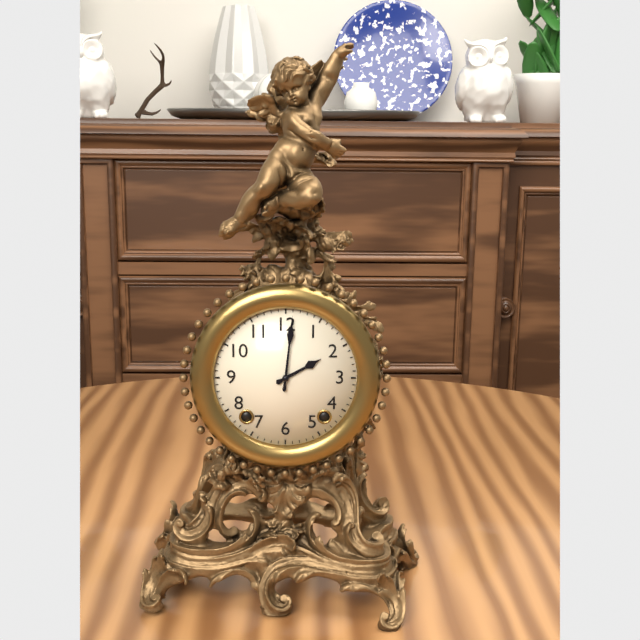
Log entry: h=2 m=1
